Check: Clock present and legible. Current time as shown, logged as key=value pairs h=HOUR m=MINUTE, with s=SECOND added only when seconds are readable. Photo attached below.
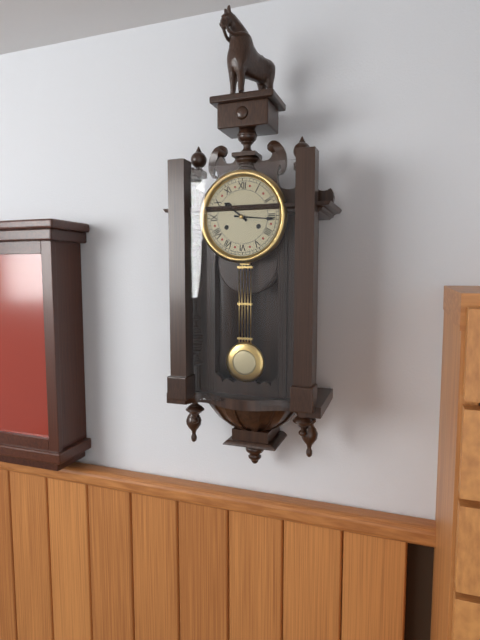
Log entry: h=10 m=16
